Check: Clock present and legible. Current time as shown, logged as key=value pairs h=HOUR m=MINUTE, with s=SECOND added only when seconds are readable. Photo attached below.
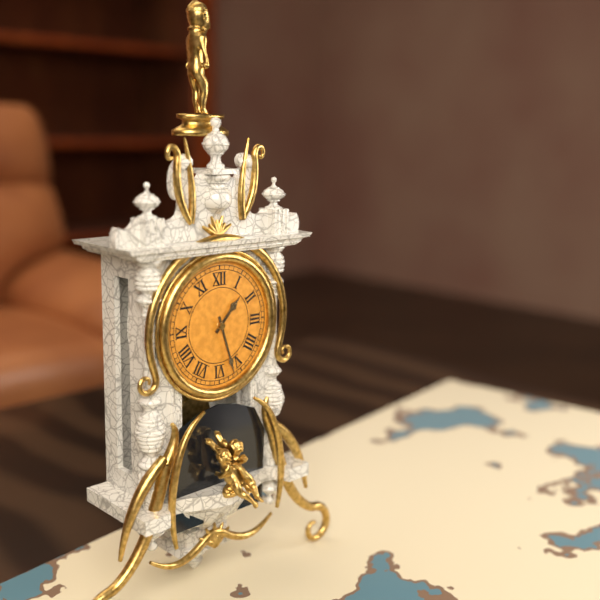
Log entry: h=1 m=27
